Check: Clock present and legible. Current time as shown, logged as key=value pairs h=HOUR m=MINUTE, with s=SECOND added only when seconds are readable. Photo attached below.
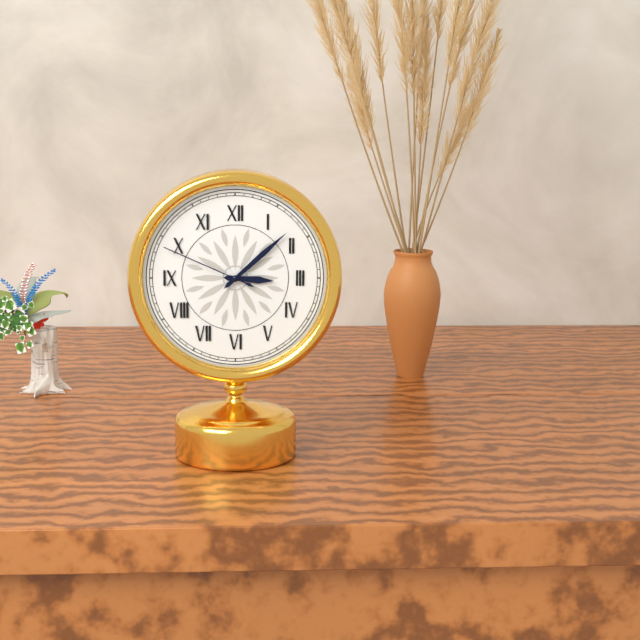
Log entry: h=3 m=8 s=49
